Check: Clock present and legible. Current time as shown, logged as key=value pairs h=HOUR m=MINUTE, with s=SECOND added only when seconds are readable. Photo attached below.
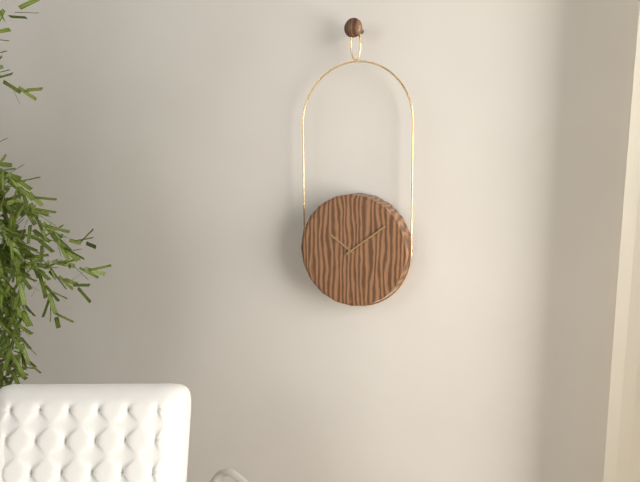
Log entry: h=10 m=9
